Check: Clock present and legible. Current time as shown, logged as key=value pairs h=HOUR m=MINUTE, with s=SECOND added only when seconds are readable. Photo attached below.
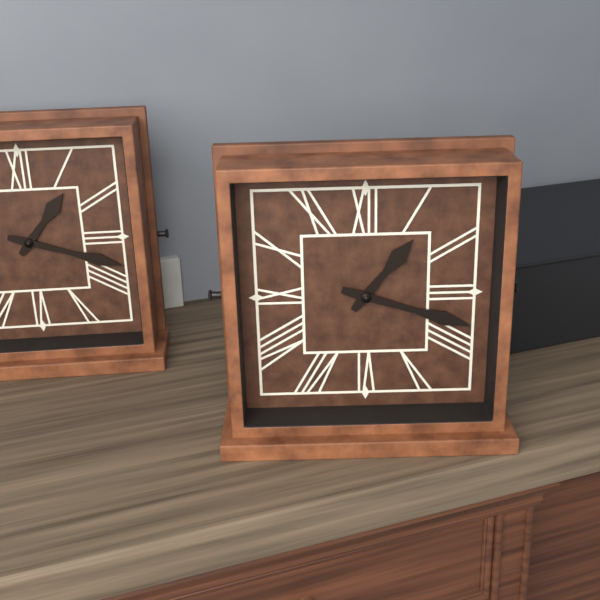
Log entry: h=1 m=18
